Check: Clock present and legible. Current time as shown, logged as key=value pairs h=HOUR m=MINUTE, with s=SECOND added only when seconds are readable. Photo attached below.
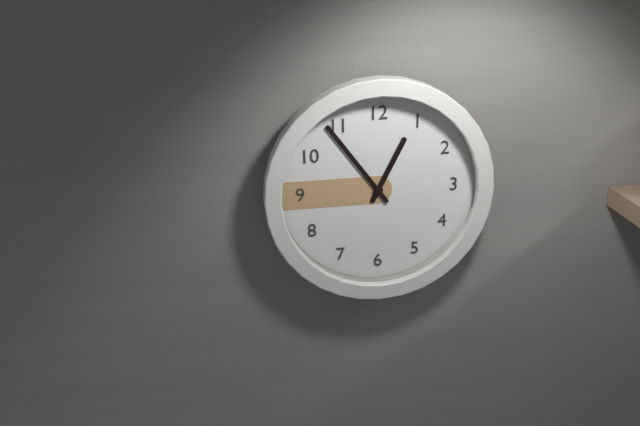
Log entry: h=12 m=54
